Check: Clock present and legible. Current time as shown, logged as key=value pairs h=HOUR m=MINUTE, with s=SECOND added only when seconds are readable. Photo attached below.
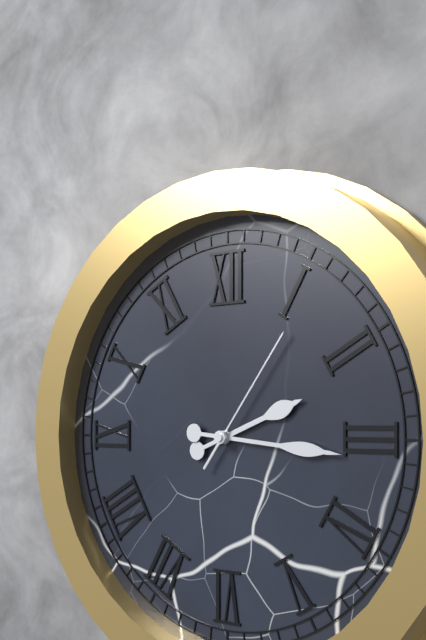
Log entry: h=2 m=16 s=6
